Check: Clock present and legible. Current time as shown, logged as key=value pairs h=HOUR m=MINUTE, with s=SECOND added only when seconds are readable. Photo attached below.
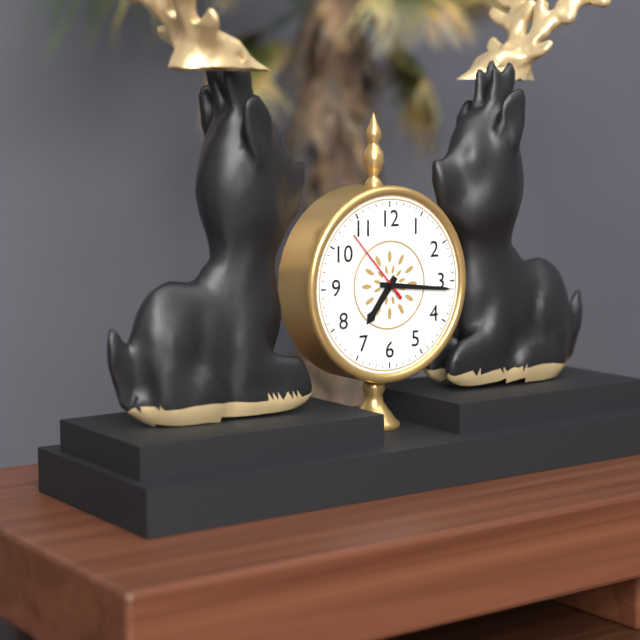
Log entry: h=7 m=16 s=53
